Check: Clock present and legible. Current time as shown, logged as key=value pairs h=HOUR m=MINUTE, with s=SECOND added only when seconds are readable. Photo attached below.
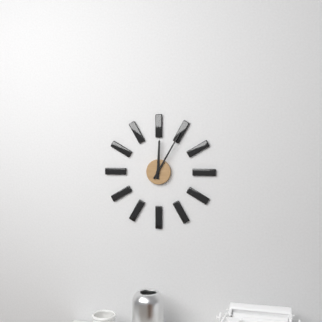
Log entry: h=12 m=5
